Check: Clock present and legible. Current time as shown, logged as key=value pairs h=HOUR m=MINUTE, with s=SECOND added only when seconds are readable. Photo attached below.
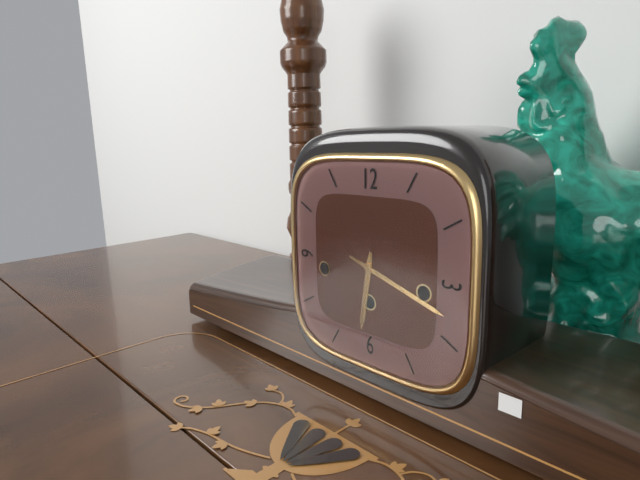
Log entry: h=6 m=18
